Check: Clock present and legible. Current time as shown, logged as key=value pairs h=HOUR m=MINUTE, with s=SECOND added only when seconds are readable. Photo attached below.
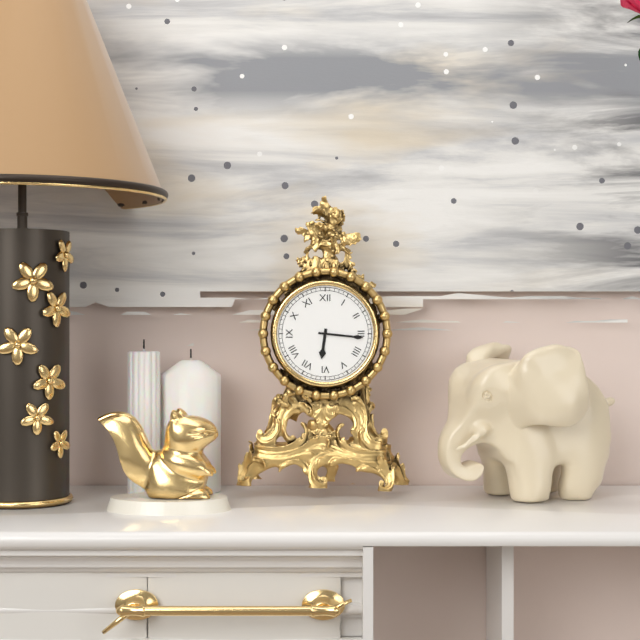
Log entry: h=6 m=16
